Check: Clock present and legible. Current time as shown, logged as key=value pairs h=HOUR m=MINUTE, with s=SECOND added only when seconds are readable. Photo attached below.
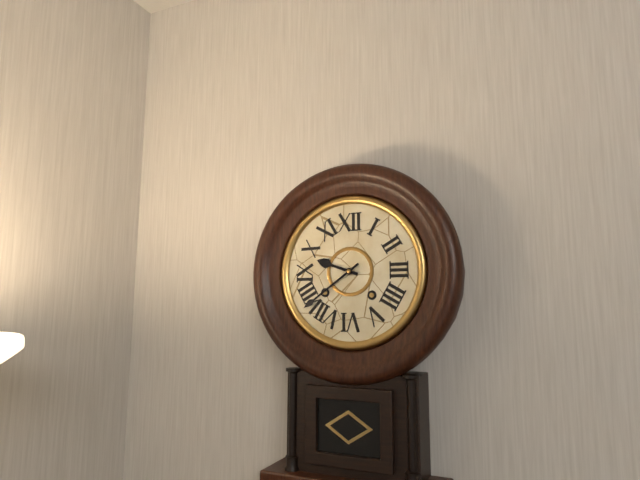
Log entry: h=9 m=39
